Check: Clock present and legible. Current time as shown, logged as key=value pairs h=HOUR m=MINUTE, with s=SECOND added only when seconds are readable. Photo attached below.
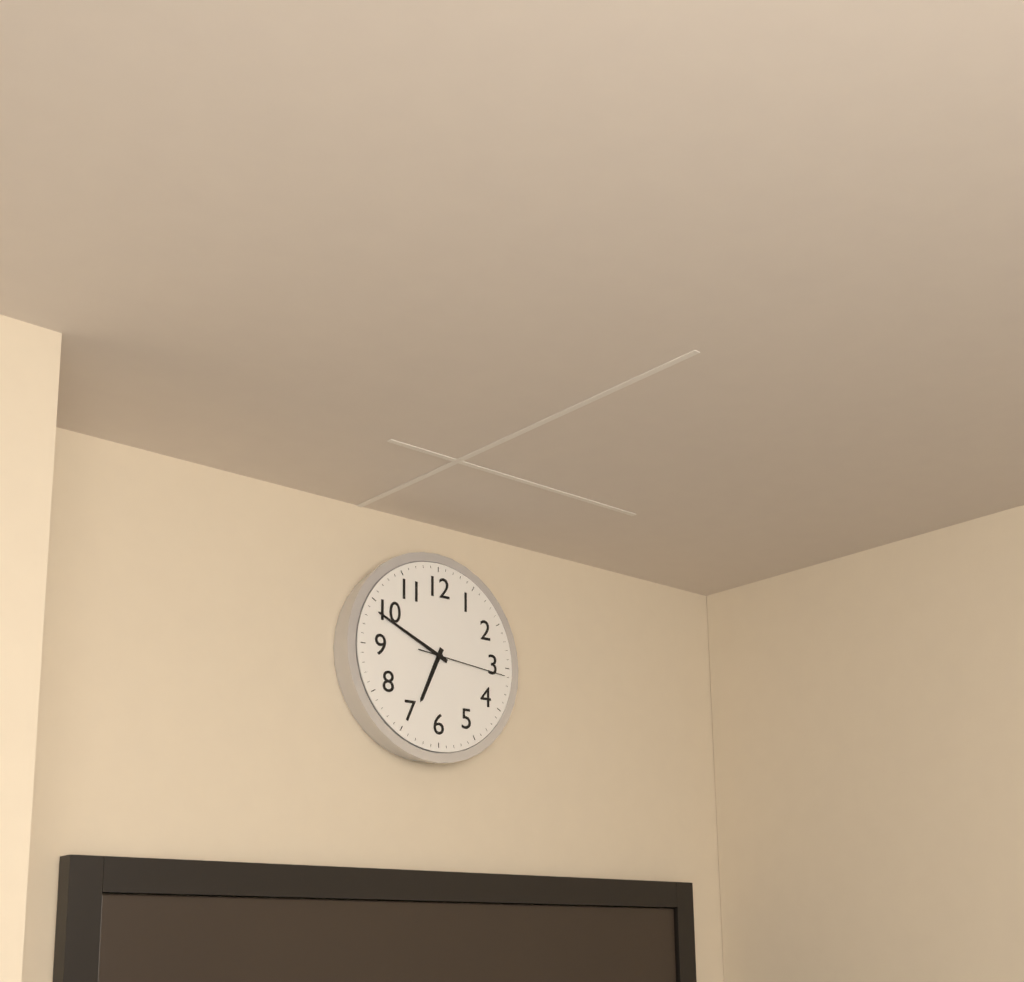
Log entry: h=6 m=49 s=16
